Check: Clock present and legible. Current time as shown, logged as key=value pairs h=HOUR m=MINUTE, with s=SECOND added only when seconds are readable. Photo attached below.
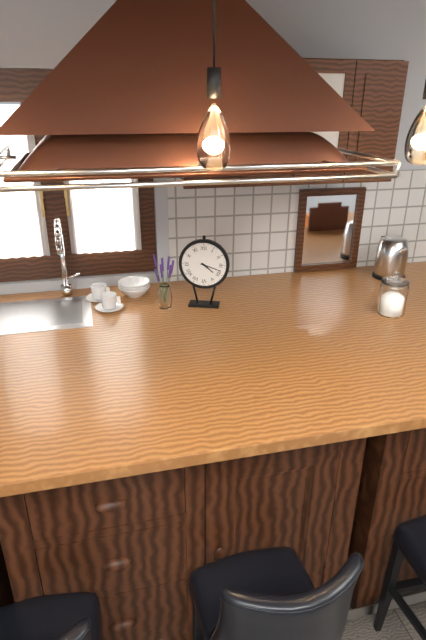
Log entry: h=4 m=18
